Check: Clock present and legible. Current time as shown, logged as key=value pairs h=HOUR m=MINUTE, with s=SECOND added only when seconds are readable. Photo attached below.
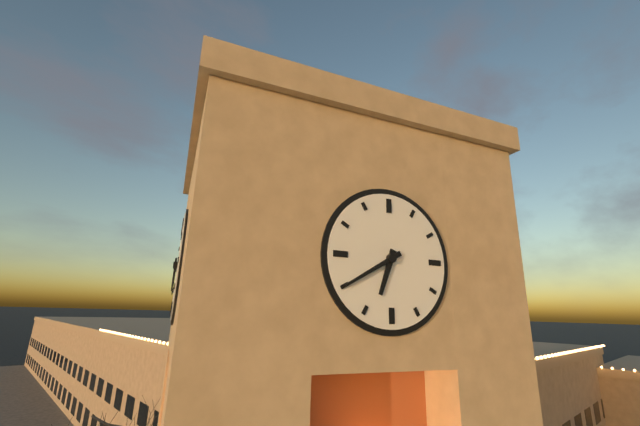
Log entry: h=6 m=40
